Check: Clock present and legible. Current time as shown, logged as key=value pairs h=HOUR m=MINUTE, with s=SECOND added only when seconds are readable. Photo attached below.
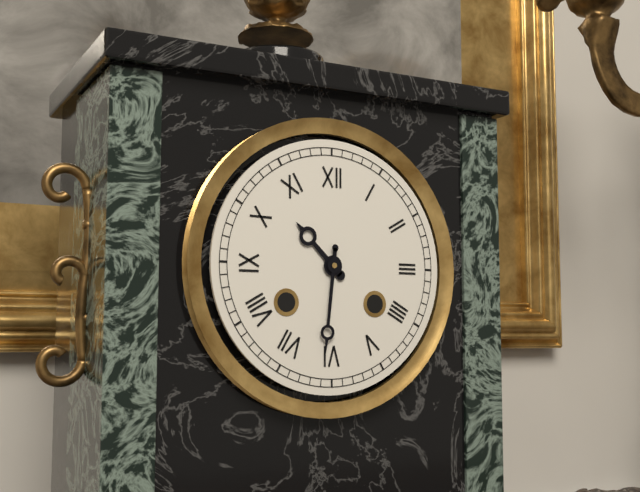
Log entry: h=10 m=31
